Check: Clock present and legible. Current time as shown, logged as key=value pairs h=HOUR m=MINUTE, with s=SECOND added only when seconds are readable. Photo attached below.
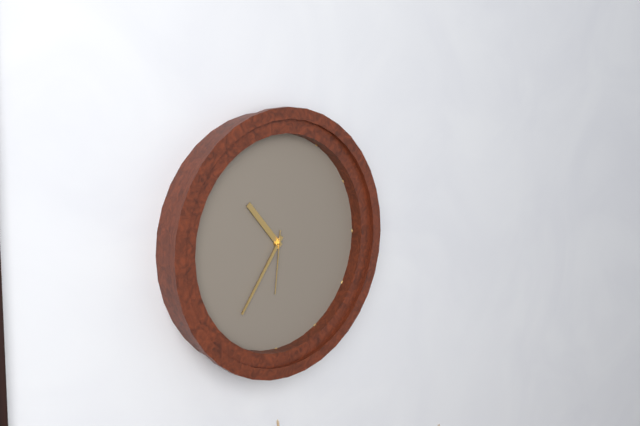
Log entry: h=10 m=36 s=31
